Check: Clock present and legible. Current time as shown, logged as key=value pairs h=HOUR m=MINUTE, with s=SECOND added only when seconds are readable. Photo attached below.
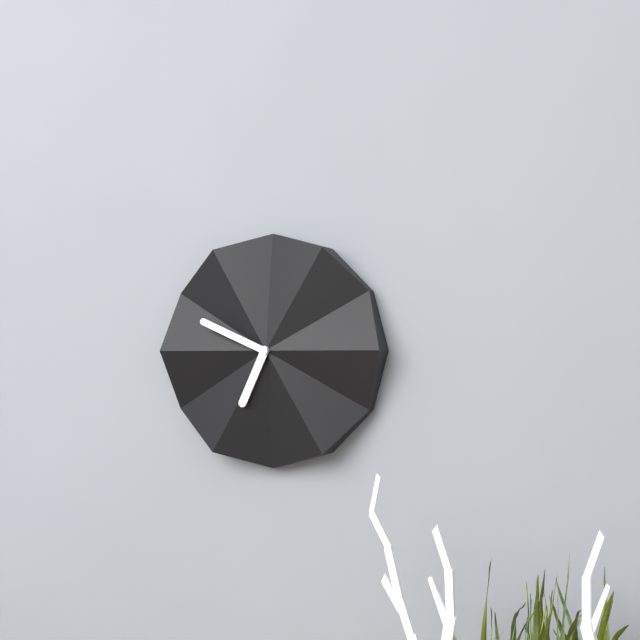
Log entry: h=6 m=49
